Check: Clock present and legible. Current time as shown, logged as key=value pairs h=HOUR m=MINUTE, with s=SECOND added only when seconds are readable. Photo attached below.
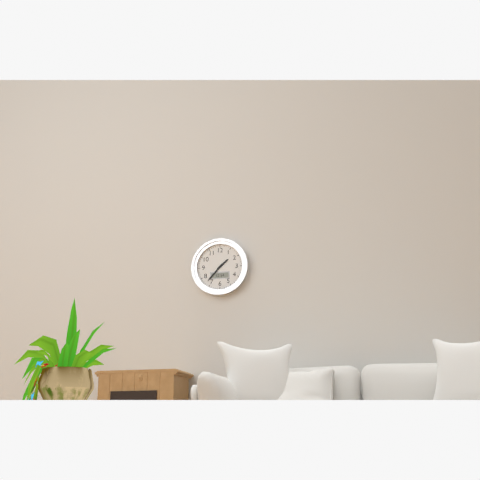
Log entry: h=1 m=37
